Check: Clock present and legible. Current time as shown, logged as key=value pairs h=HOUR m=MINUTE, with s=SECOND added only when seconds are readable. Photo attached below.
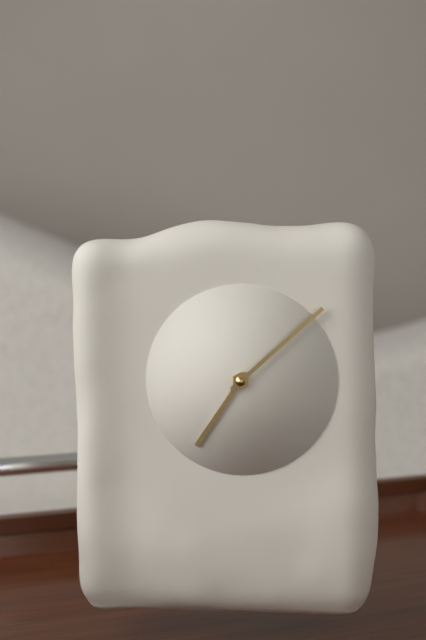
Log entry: h=7 m=8
